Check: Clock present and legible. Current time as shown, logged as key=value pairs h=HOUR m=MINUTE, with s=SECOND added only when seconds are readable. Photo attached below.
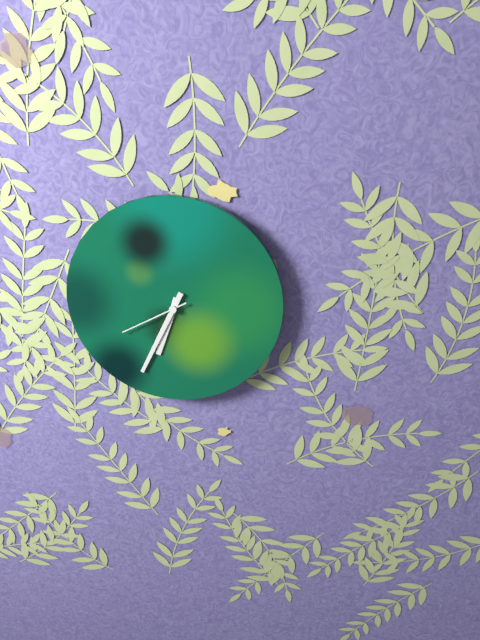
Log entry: h=6 m=34 s=40
